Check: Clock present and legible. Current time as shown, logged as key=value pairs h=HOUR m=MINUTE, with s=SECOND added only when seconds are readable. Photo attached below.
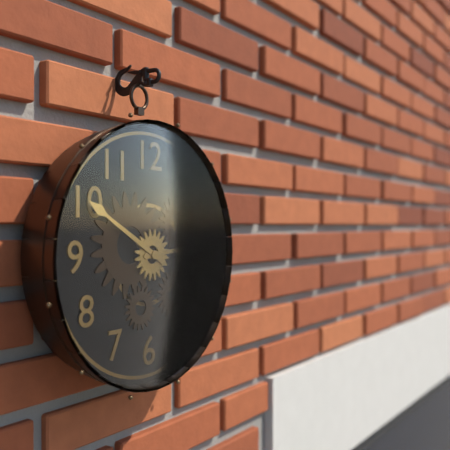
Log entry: h=2 m=50
